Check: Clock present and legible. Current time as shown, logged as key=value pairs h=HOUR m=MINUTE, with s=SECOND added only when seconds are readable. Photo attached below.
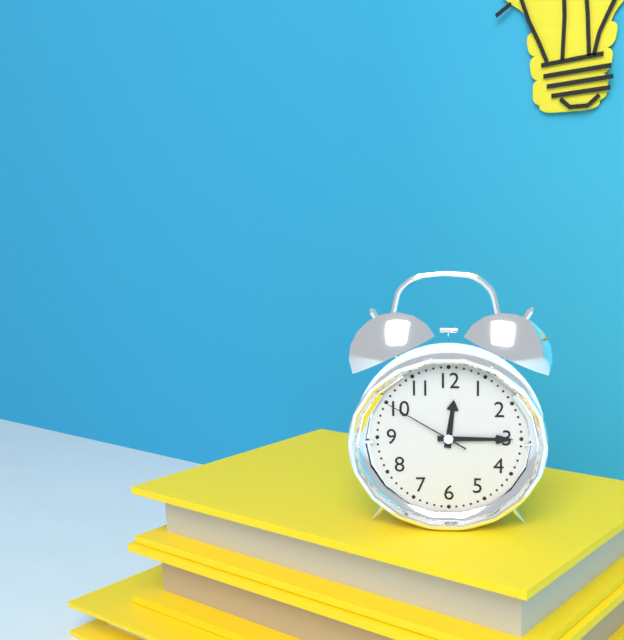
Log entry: h=12 m=15 s=50
